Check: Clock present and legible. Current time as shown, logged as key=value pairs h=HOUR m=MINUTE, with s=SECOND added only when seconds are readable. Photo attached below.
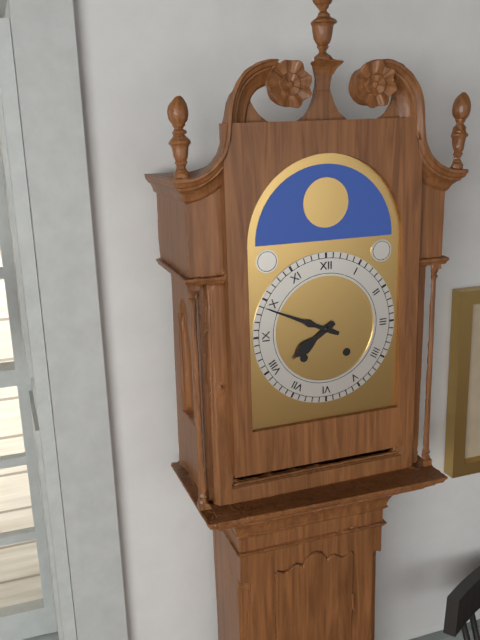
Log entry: h=7 m=49
